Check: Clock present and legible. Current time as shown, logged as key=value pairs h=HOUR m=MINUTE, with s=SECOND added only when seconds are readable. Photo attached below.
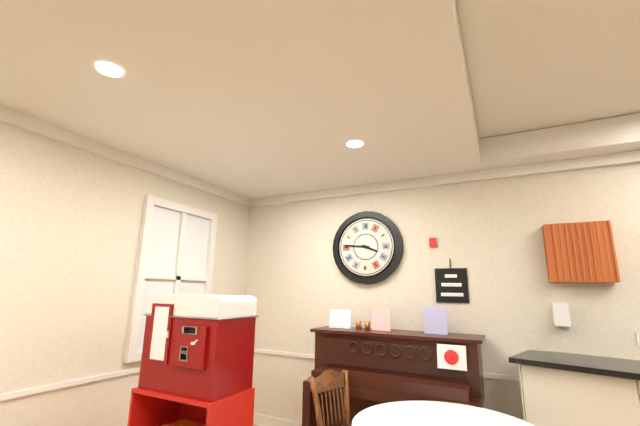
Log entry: h=3 m=46
